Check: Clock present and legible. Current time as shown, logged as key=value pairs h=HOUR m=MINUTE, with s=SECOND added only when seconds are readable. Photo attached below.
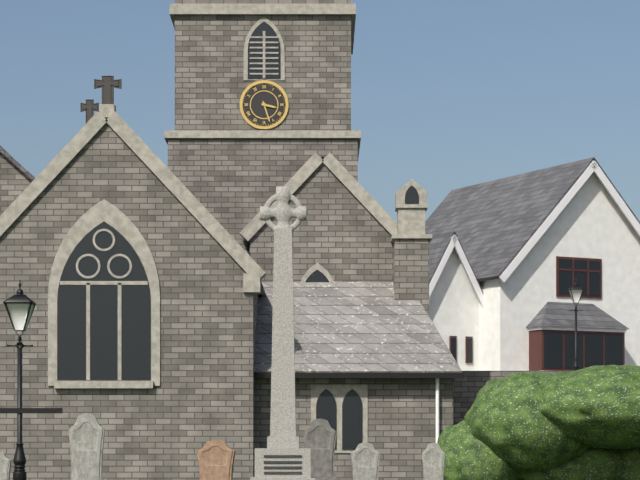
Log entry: h=3 m=27
